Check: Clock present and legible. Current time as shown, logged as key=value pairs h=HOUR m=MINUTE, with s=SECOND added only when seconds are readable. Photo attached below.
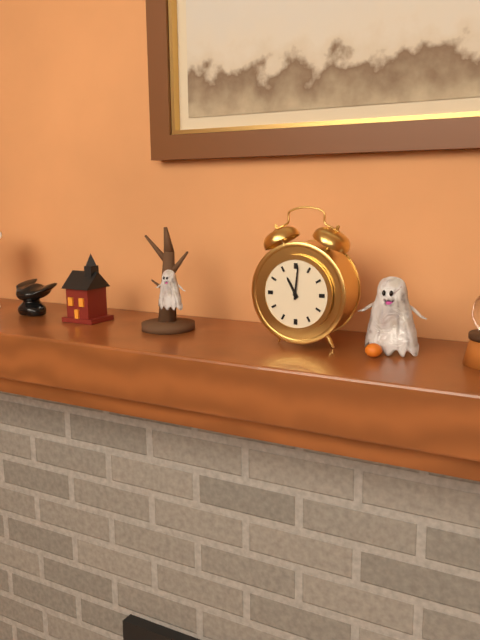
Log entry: h=11 m=1
